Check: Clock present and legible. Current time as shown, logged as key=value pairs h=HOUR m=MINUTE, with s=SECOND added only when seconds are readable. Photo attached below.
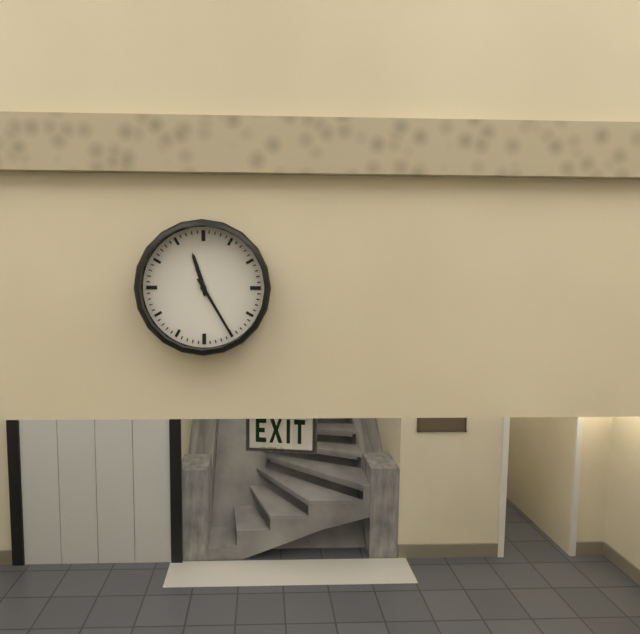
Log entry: h=11 m=25
